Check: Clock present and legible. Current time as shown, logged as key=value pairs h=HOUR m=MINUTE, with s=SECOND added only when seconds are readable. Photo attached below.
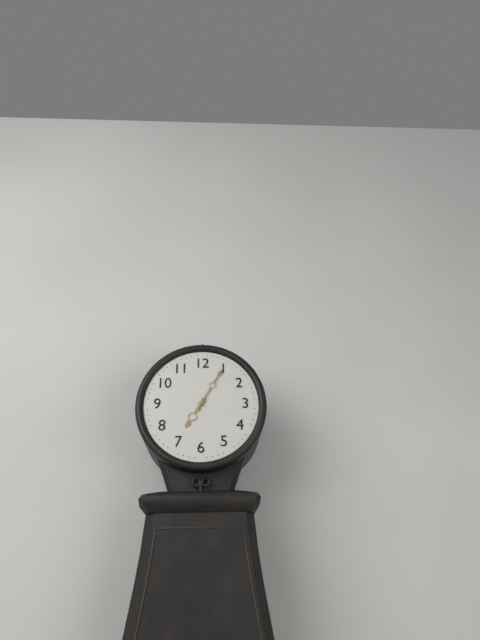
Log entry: h=7 m=5
